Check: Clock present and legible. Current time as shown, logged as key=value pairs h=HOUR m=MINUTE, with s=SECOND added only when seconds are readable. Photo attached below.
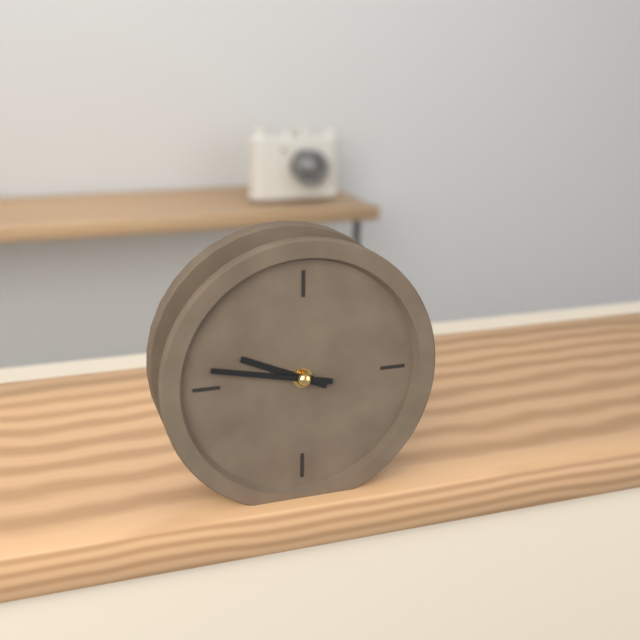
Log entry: h=9 m=47
